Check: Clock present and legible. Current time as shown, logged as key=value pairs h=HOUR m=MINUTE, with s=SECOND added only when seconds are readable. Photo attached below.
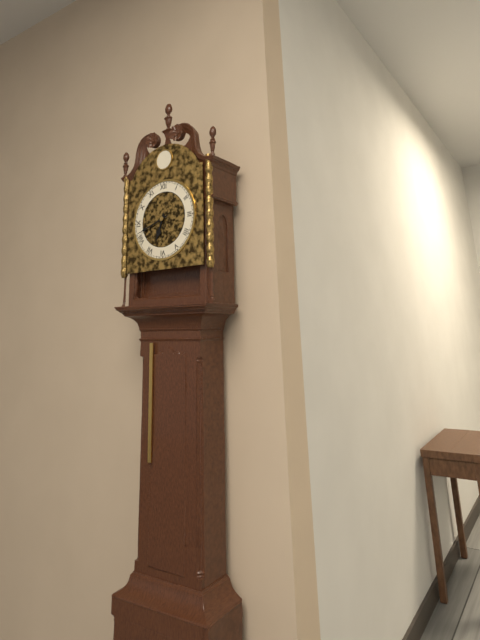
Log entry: h=6 m=42
